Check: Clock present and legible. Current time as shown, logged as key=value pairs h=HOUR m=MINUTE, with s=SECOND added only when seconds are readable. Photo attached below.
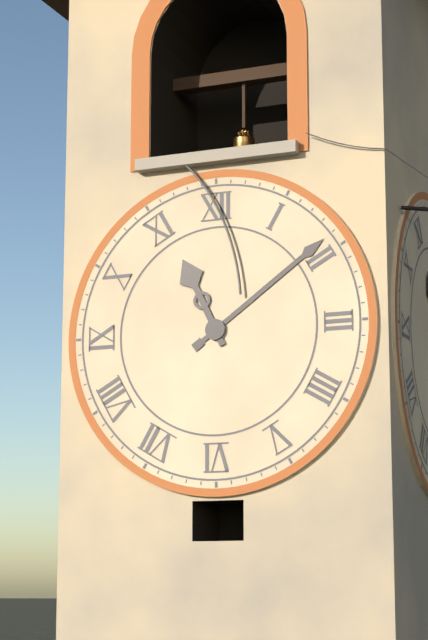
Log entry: h=11 m=9
